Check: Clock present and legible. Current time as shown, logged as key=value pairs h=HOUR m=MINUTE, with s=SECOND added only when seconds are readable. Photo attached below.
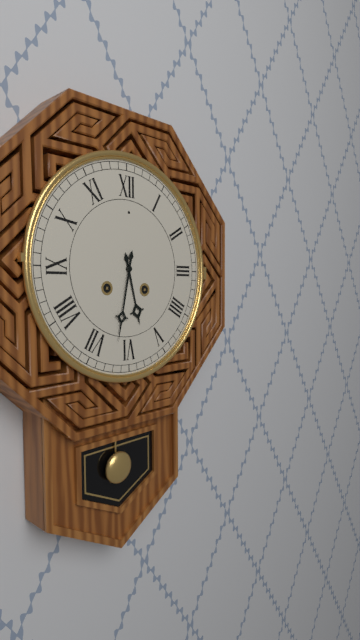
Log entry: h=5 m=32
